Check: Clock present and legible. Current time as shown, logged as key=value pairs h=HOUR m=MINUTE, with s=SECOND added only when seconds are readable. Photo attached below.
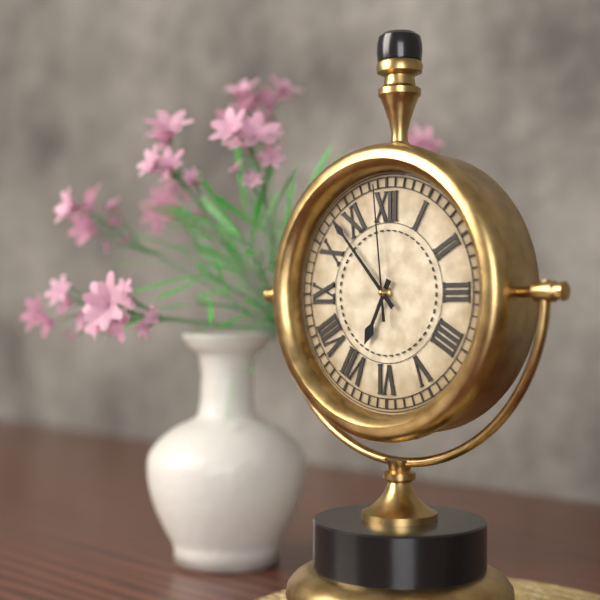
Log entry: h=6 m=53 s=59
